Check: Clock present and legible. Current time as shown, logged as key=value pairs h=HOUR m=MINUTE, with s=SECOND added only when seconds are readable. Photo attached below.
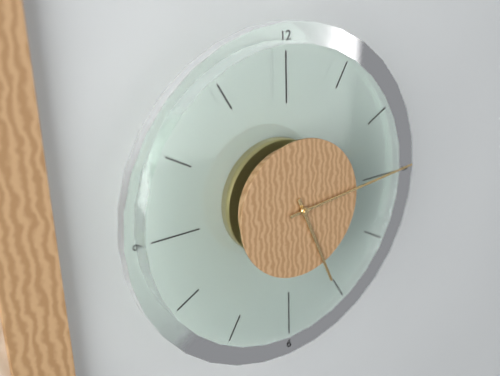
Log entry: h=5 m=14
